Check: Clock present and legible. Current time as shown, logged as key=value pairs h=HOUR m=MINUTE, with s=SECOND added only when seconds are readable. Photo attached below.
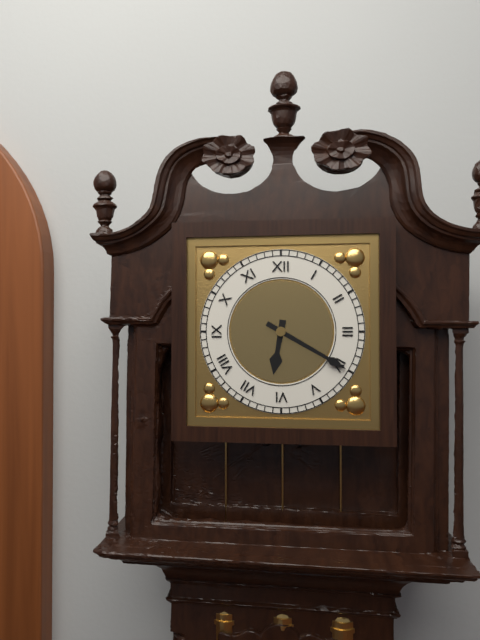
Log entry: h=6 m=20
